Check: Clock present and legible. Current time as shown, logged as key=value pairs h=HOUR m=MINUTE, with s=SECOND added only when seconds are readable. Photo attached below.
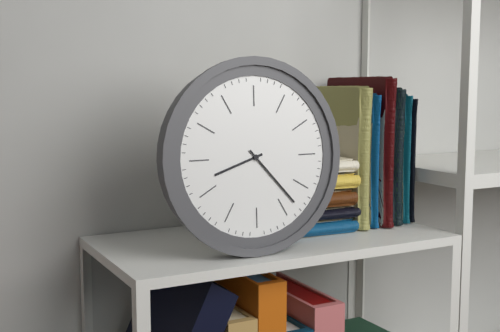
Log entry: h=8 m=23
